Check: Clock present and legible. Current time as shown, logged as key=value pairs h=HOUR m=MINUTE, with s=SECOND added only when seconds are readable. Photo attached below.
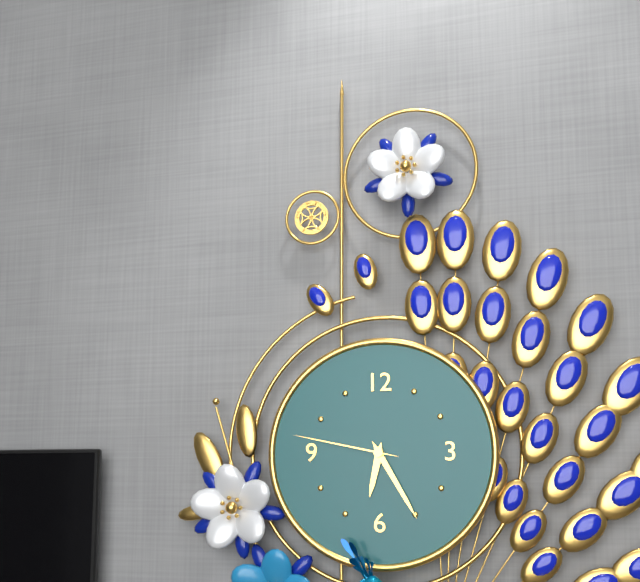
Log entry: h=6 m=25 s=47
